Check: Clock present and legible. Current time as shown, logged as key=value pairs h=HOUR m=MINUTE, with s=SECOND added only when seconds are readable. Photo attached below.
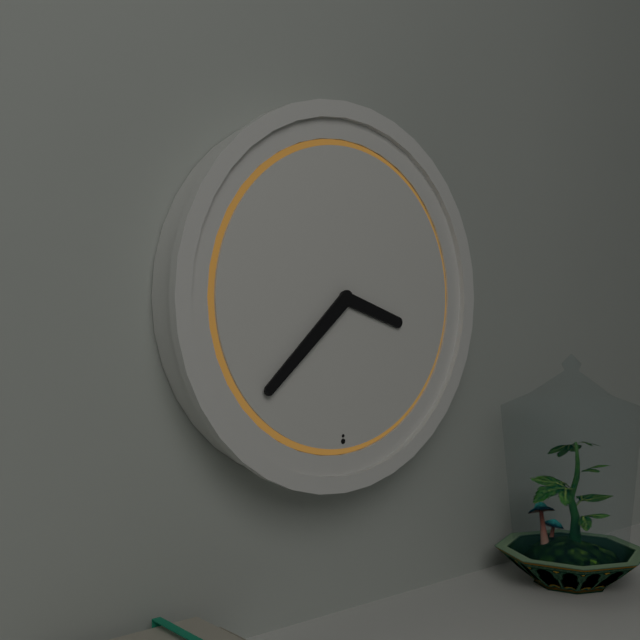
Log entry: h=3 m=38
